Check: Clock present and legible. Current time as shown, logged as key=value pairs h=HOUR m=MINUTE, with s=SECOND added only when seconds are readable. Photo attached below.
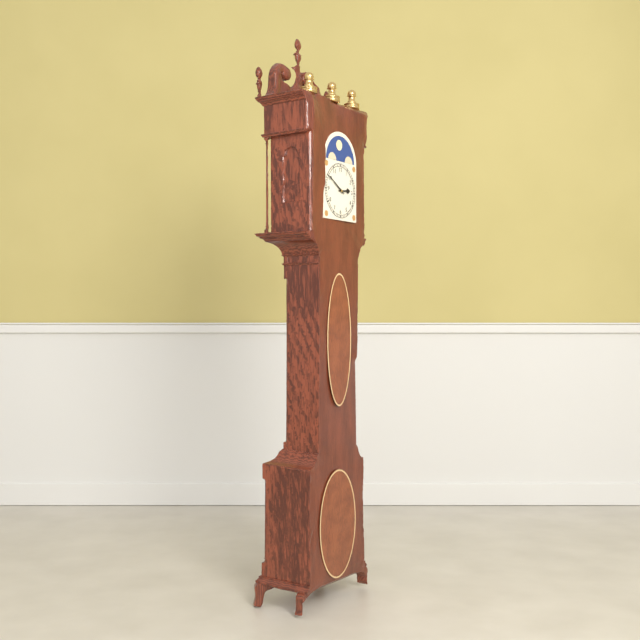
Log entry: h=2 m=50
